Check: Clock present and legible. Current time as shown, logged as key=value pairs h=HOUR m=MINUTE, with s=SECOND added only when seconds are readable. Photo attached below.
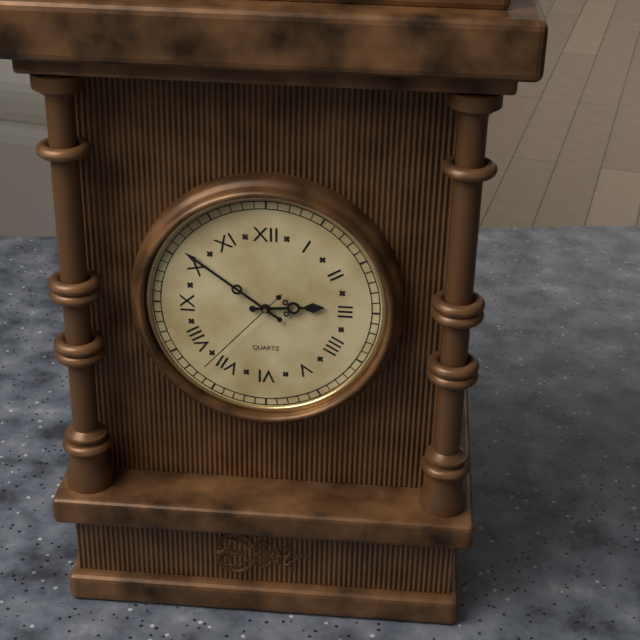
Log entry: h=2 m=51 s=37
